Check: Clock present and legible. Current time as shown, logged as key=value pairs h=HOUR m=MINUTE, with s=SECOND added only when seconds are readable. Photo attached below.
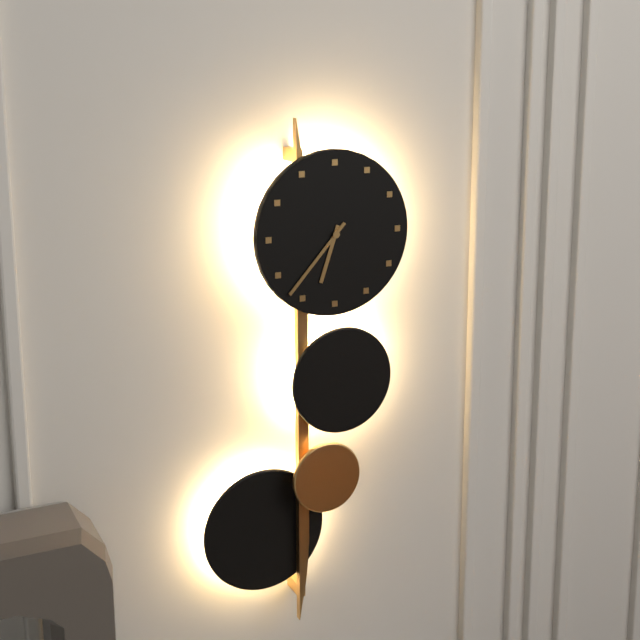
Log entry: h=6 m=37
